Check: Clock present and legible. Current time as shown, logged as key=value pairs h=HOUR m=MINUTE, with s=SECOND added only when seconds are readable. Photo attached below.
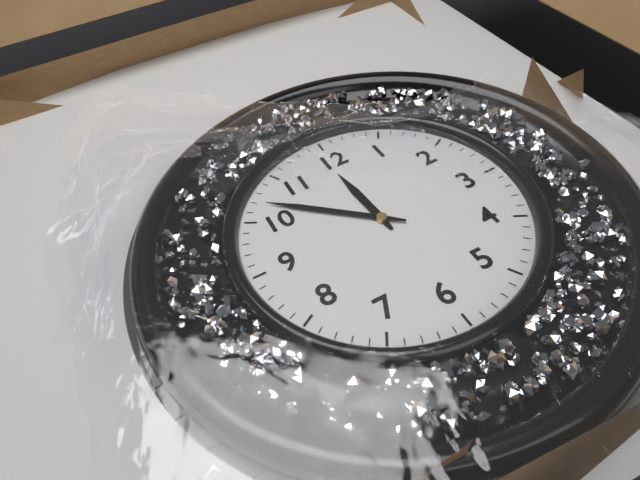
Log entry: h=11 m=52
